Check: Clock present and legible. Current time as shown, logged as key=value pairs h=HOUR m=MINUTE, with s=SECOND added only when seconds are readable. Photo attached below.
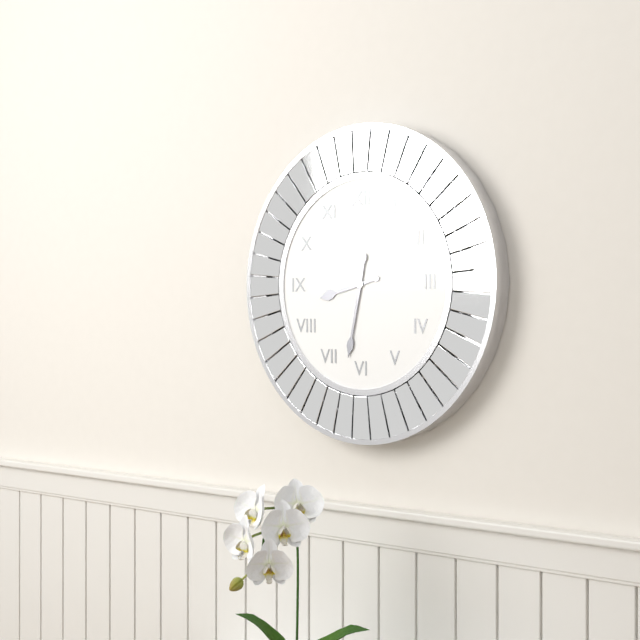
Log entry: h=8 m=32
